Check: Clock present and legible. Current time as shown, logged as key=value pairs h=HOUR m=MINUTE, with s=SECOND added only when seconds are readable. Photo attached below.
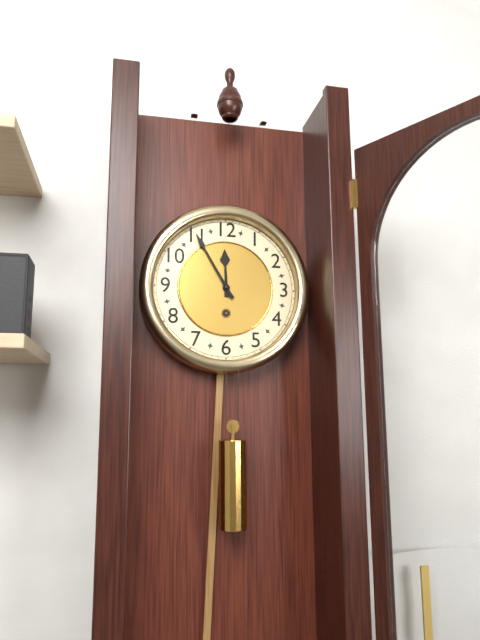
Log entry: h=11 m=55
